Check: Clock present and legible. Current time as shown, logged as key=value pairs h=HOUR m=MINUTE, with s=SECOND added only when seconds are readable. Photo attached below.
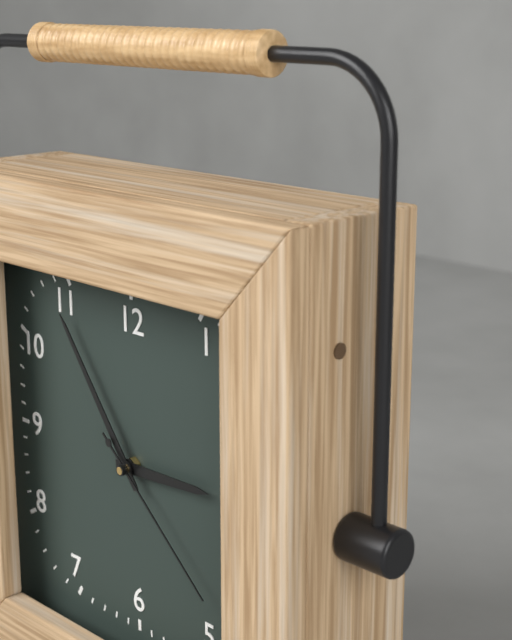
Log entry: h=2 m=54 s=22
